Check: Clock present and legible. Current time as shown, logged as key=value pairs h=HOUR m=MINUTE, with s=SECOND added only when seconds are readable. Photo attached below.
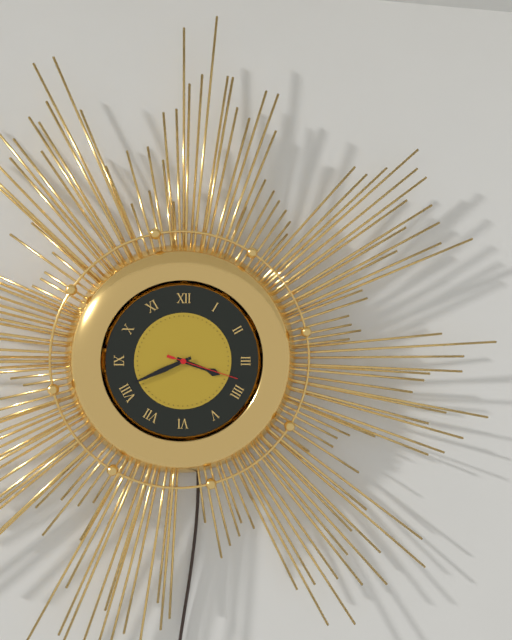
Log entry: h=3 m=41 s=18
